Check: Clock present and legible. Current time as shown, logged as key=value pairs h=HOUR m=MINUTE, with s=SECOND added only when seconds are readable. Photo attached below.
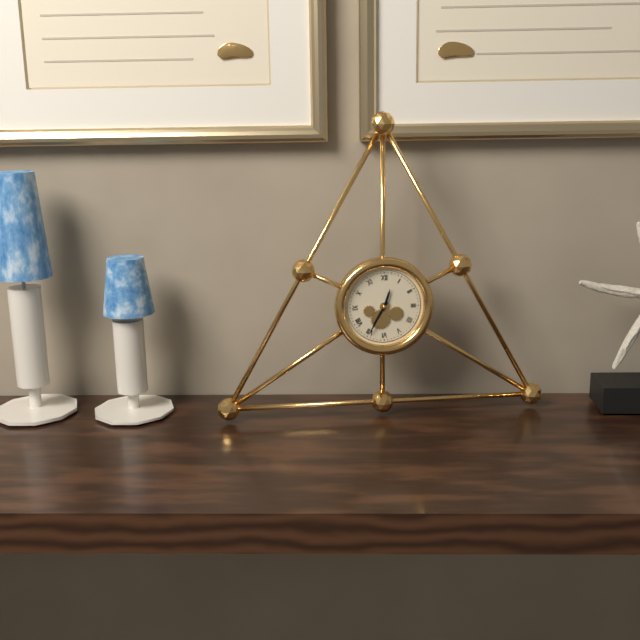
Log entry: h=12 m=35
